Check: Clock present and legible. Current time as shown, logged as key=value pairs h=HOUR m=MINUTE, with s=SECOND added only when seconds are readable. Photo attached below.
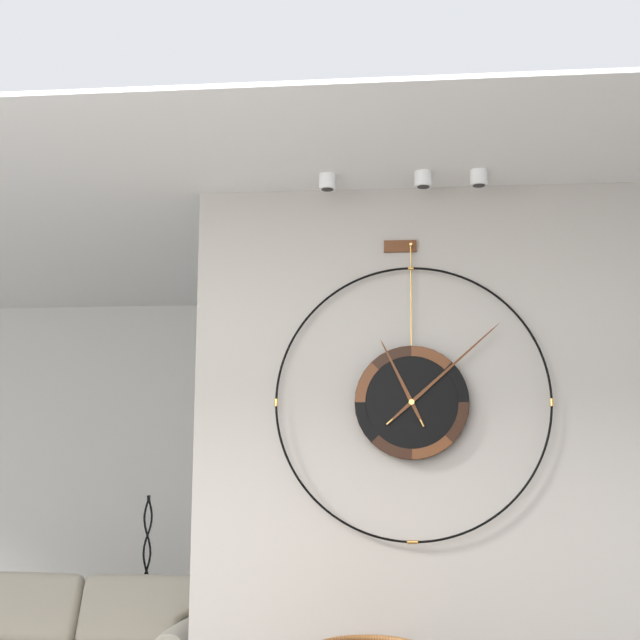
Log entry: h=11 m=8
